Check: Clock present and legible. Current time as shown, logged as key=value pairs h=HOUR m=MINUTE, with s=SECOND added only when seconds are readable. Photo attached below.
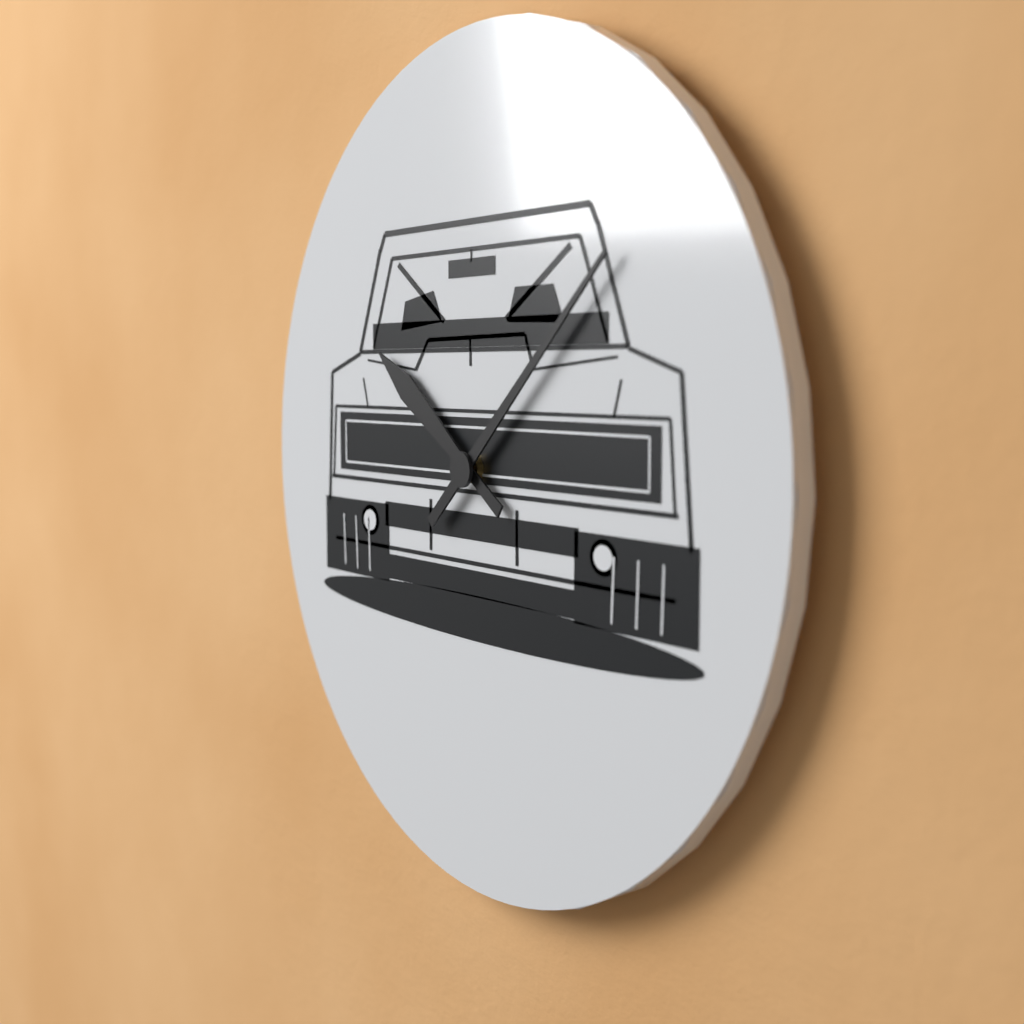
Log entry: h=10 m=8
